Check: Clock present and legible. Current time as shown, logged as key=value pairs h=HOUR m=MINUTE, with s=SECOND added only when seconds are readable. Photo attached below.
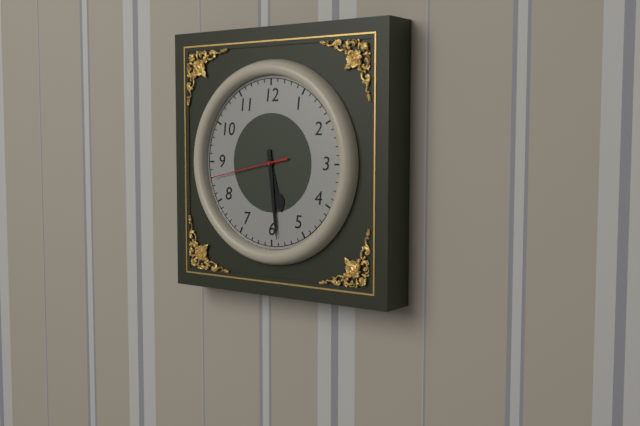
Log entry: h=5 m=29 s=43
